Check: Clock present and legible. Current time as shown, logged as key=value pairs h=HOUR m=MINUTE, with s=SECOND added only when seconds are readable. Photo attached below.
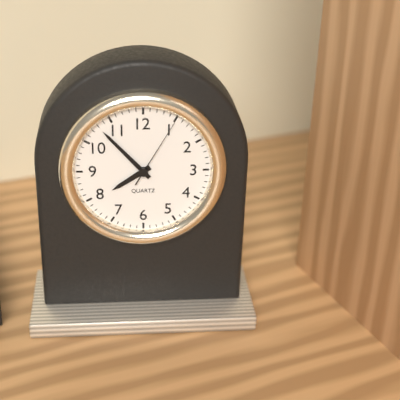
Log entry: h=7 m=53 s=5
